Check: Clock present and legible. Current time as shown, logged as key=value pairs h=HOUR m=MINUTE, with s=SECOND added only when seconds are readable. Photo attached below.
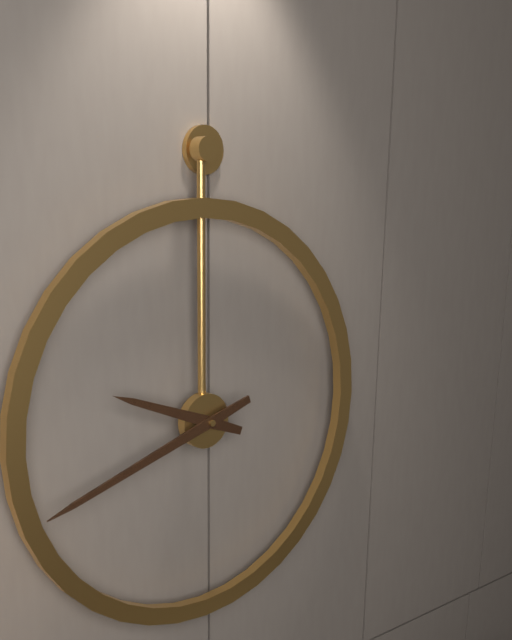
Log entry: h=9 m=42
